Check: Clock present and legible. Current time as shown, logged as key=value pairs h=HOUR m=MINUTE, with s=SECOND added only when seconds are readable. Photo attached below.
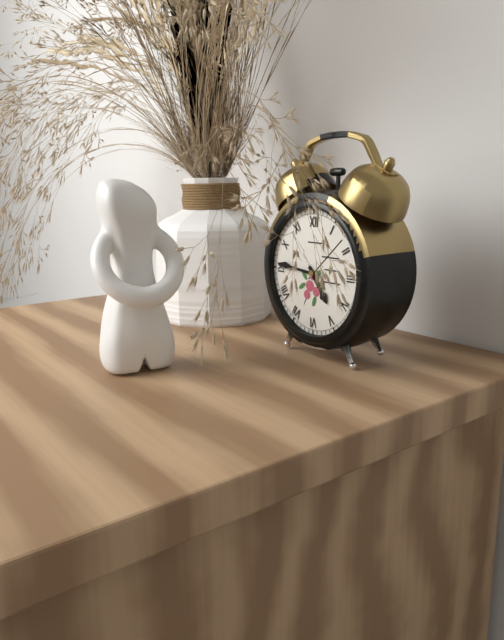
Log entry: h=4 m=46
